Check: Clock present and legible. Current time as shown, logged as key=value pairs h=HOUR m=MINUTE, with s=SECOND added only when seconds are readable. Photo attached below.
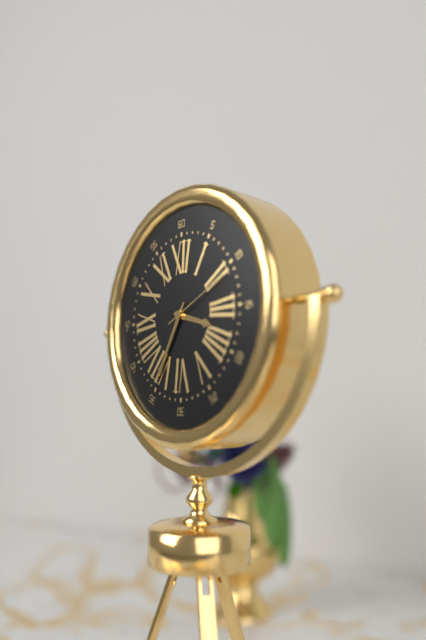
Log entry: h=3 m=35 s=11
